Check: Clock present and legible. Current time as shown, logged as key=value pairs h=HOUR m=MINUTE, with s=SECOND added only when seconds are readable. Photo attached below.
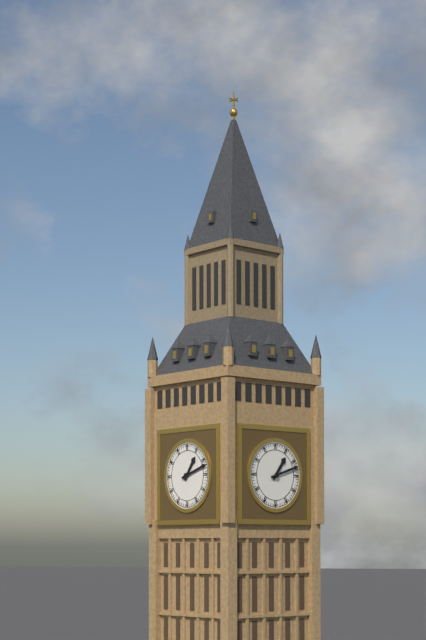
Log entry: h=1 m=12
